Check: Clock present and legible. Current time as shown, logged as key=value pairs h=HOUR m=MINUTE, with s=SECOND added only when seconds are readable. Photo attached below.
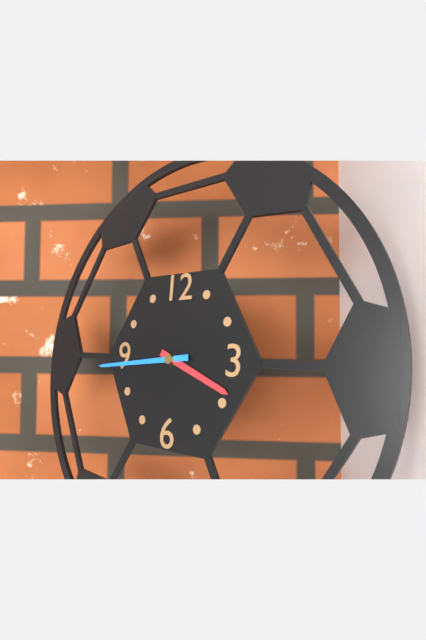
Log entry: h=3 m=44
